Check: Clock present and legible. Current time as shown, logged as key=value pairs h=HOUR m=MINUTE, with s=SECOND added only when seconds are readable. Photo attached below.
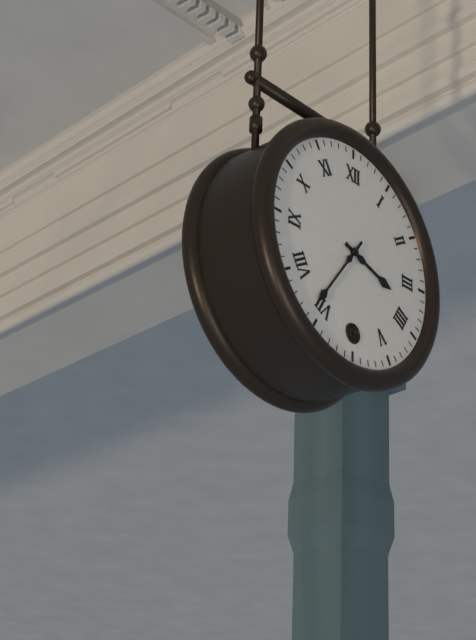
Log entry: h=3 m=36
